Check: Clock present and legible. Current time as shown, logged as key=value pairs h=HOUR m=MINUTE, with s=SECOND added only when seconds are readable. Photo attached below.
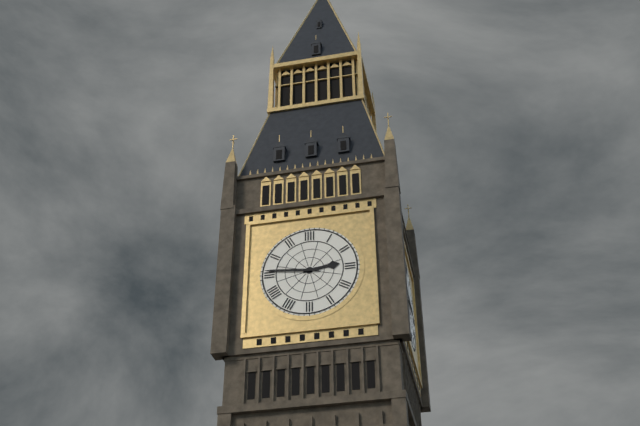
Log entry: h=2 m=46
